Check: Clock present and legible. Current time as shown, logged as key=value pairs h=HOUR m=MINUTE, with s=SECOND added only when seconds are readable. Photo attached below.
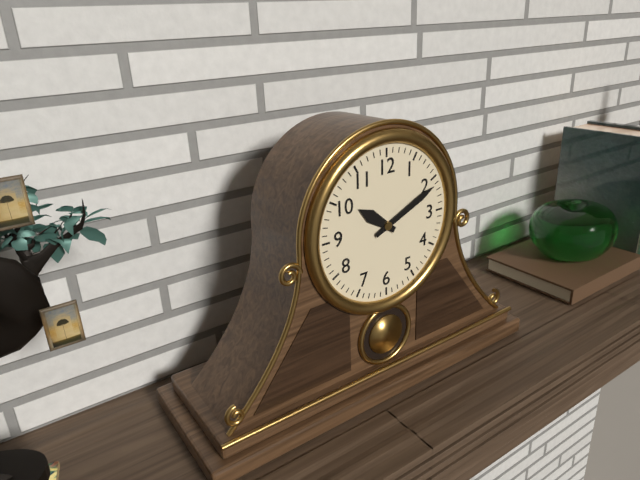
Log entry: h=10 m=11
